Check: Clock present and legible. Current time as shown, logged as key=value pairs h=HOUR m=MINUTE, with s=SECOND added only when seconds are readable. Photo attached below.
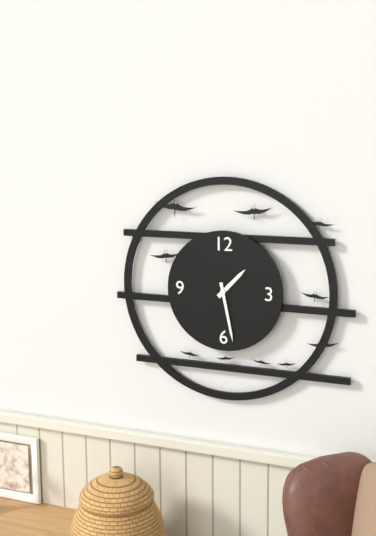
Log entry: h=1 m=28
